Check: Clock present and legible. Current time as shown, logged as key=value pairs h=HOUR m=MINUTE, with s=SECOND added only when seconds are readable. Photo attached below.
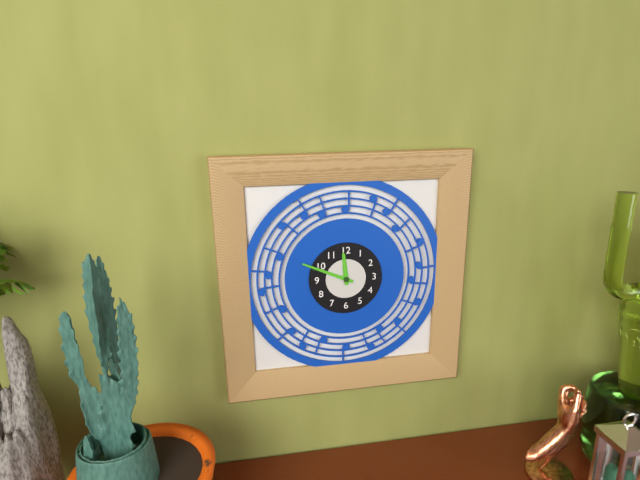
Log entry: h=11 m=49
